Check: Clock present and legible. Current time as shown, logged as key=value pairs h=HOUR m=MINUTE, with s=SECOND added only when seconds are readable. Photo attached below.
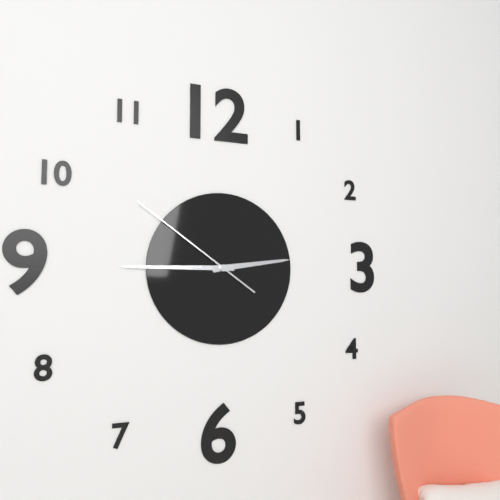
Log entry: h=2 m=45 s=51
